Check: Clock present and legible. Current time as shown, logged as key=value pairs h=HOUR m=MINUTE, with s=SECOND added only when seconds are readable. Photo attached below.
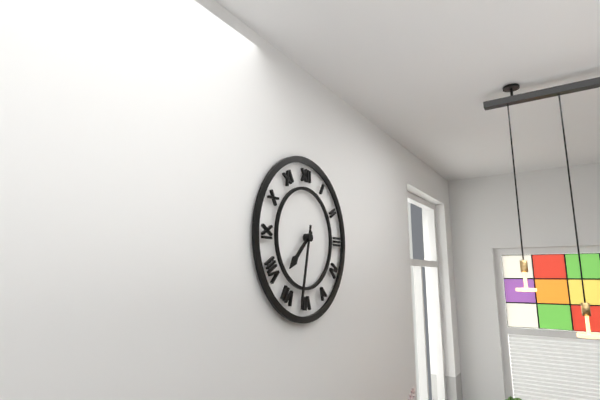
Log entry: h=7 m=32
